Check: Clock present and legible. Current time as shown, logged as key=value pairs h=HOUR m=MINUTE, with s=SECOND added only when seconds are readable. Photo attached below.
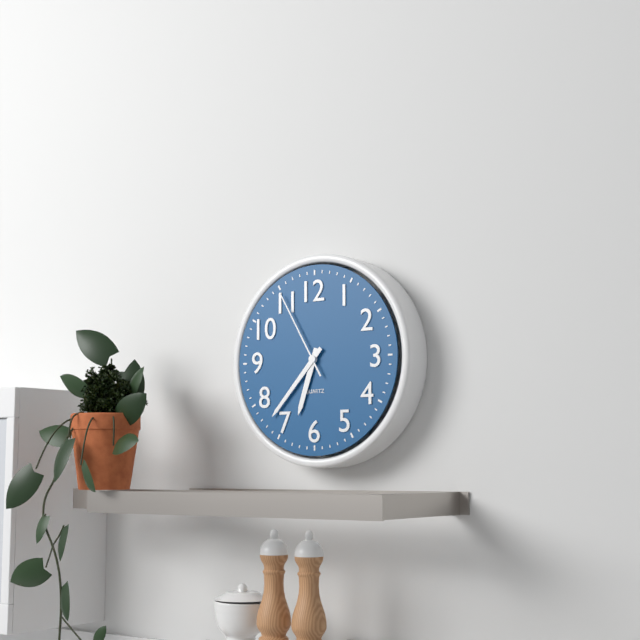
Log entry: h=6 m=37 s=55
